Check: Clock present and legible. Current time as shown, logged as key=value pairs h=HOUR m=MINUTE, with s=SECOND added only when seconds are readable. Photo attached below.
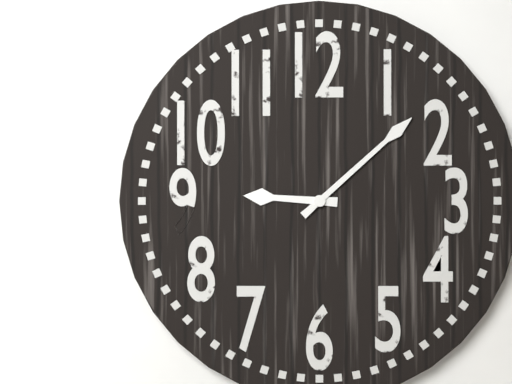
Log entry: h=9 m=8
